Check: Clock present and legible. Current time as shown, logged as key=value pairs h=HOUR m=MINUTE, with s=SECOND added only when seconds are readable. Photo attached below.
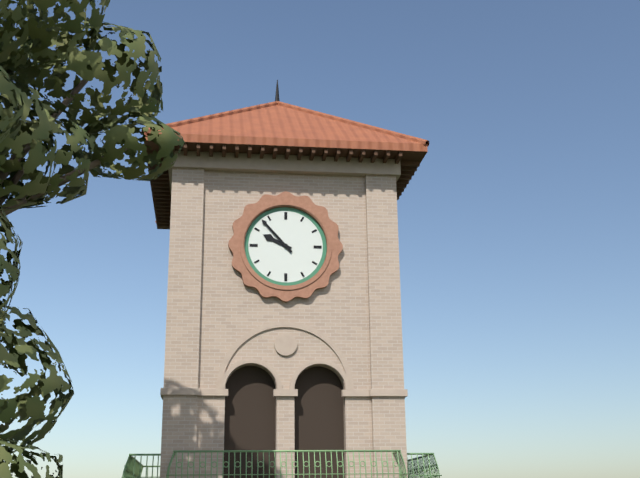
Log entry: h=9 m=53
